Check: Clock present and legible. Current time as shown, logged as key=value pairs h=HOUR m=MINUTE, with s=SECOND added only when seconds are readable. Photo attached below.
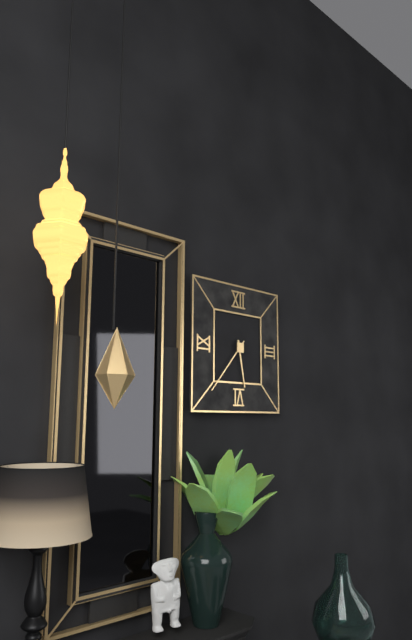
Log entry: h=5 m=37
